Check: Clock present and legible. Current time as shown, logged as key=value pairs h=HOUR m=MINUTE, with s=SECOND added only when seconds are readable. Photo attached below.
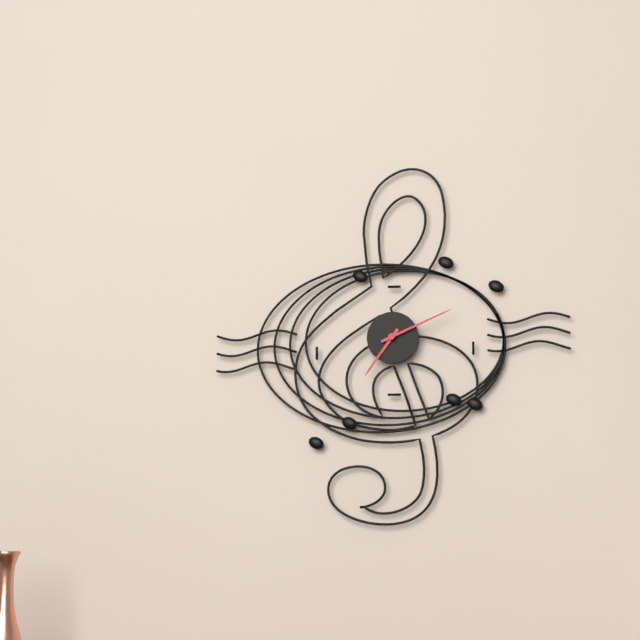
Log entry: h=7 m=11
